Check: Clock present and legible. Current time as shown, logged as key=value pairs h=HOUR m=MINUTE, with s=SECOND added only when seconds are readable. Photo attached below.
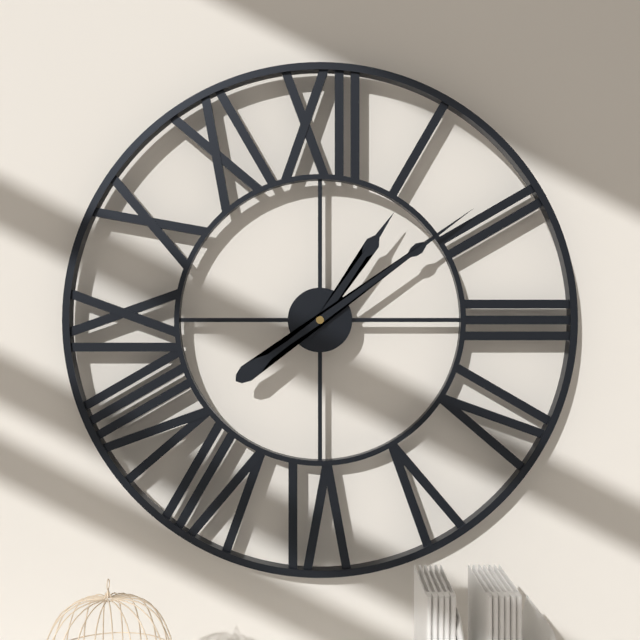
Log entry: h=1 m=9
